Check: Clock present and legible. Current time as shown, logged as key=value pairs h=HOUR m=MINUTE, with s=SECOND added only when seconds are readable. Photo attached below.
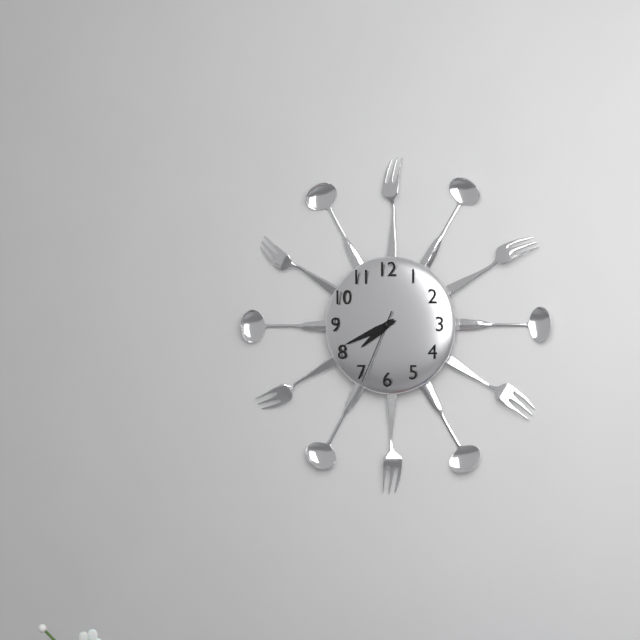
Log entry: h=7 m=41 s=34
